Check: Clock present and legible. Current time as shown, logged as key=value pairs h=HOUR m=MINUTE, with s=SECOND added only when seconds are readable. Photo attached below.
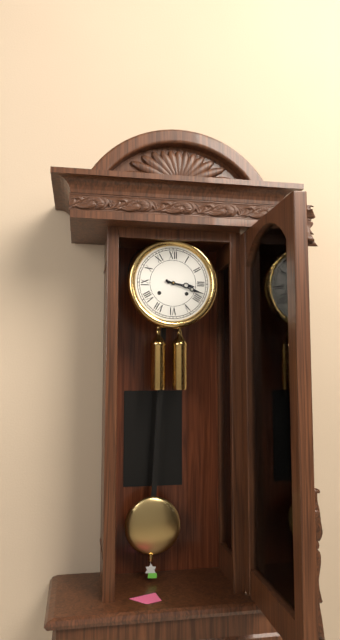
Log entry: h=3 m=18
